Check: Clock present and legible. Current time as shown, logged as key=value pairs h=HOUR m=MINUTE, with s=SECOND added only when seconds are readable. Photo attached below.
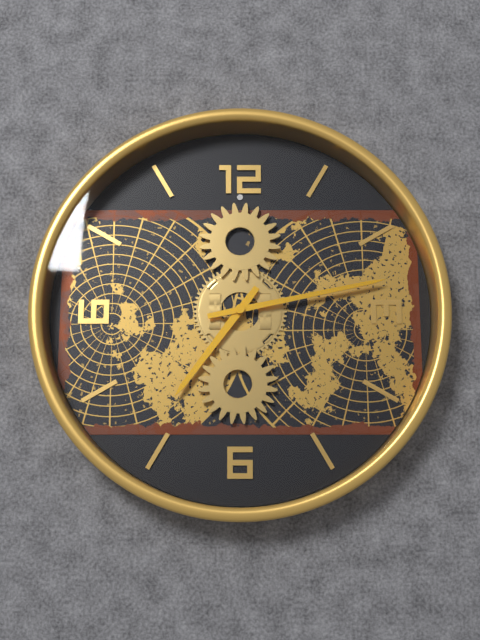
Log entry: h=7 m=13
